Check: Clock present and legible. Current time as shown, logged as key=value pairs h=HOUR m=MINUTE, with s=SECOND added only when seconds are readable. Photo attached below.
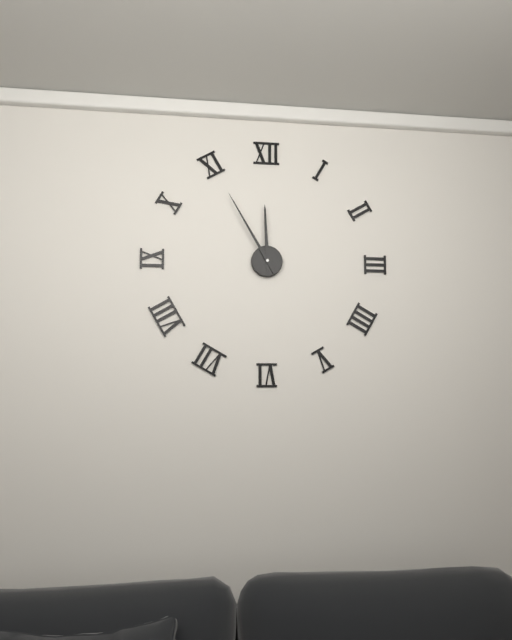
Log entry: h=11 m=55
